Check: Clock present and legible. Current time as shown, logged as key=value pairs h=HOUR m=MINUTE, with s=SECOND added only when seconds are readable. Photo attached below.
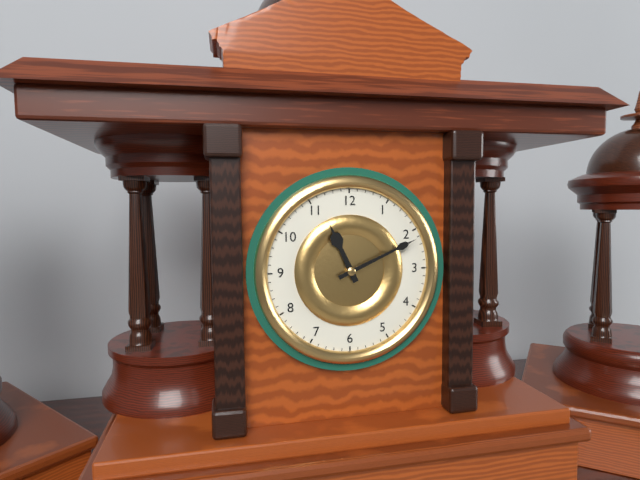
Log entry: h=11 m=11
